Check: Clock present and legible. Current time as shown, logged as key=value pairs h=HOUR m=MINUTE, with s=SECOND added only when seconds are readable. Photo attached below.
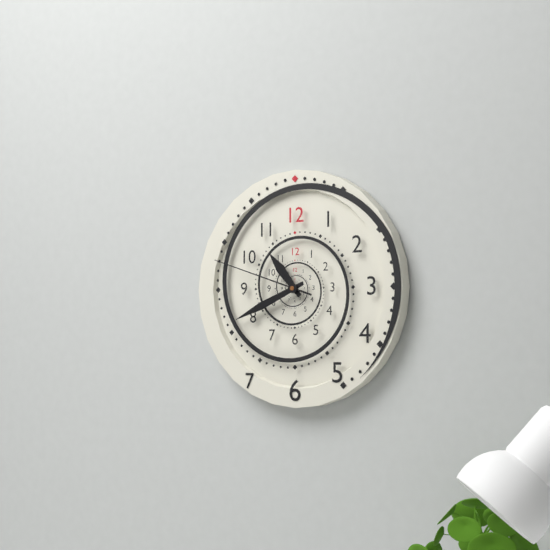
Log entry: h=10 m=41 s=48
